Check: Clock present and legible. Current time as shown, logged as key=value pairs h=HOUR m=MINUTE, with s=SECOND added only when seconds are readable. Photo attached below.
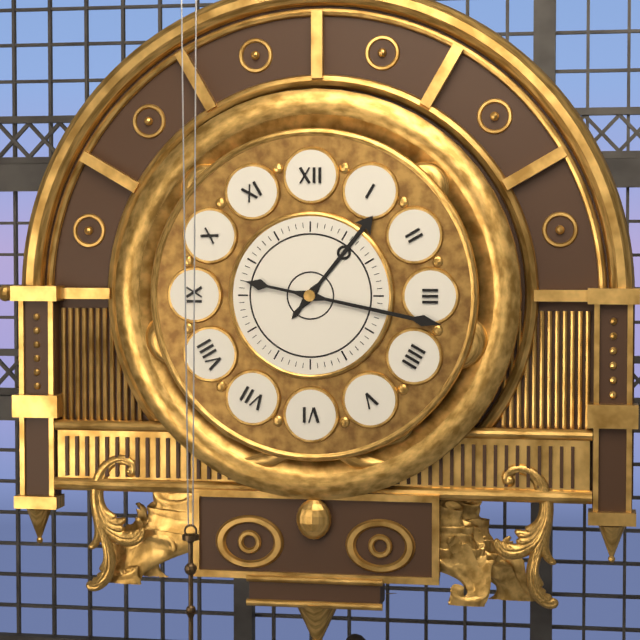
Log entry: h=1 m=17
